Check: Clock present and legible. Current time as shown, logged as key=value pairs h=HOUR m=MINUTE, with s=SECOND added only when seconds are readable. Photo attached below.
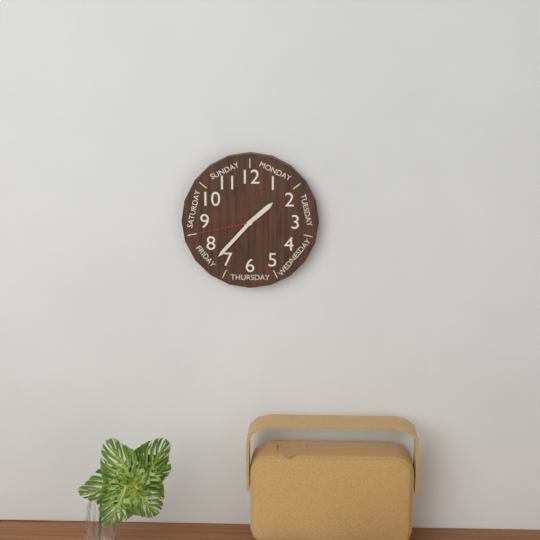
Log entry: h=1 m=37 s=43
